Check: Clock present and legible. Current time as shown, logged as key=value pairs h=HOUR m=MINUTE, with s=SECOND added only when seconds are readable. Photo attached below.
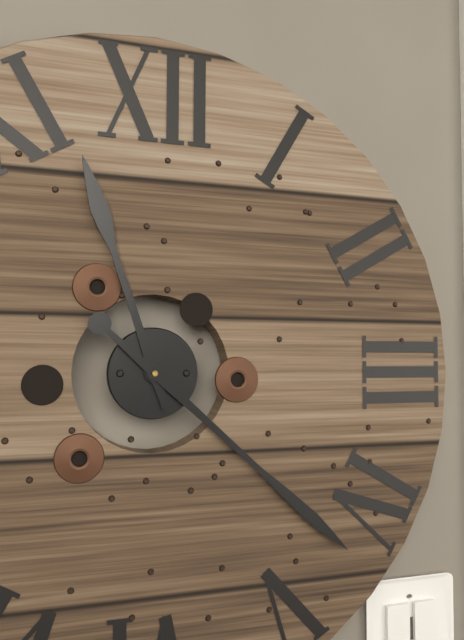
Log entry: h=11 m=22
